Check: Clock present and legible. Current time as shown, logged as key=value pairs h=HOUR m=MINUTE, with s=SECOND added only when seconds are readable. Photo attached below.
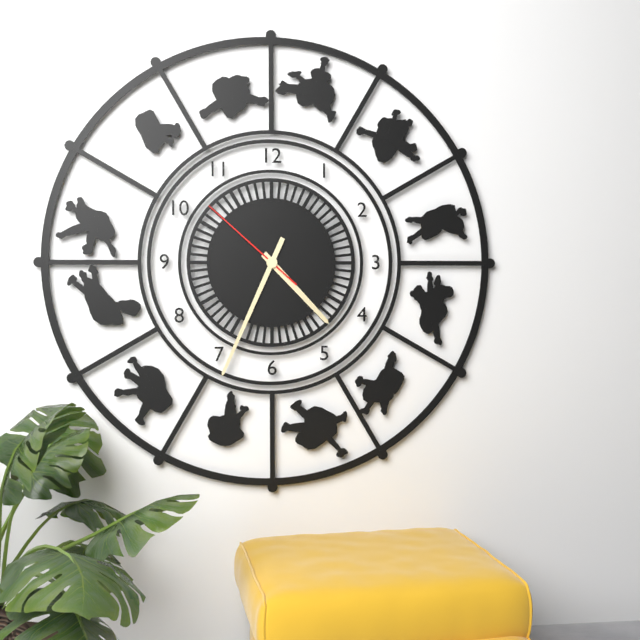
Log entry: h=4 m=34 s=52
